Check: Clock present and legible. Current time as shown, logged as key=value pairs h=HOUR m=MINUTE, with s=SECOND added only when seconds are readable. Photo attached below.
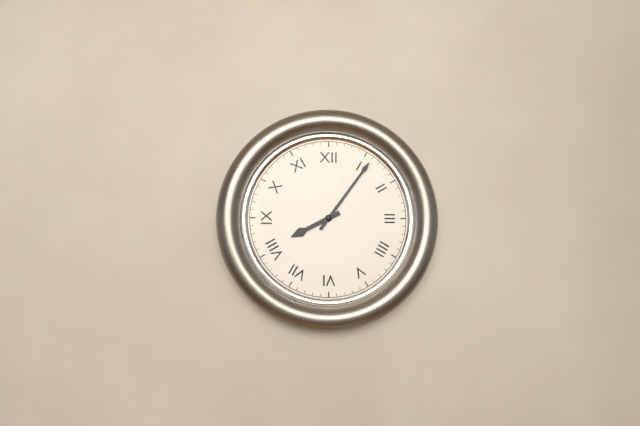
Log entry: h=8 m=6
